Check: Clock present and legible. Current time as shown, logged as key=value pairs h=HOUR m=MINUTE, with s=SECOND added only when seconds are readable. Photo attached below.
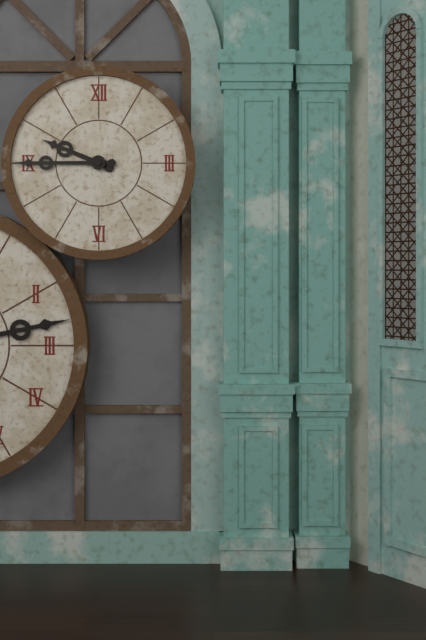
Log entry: h=9 m=45
